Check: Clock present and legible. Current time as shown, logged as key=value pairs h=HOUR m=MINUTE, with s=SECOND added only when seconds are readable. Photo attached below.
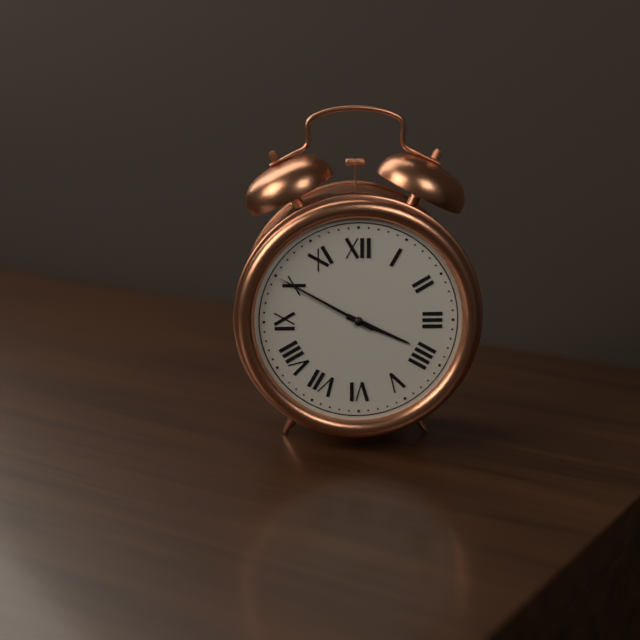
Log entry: h=3 m=50
